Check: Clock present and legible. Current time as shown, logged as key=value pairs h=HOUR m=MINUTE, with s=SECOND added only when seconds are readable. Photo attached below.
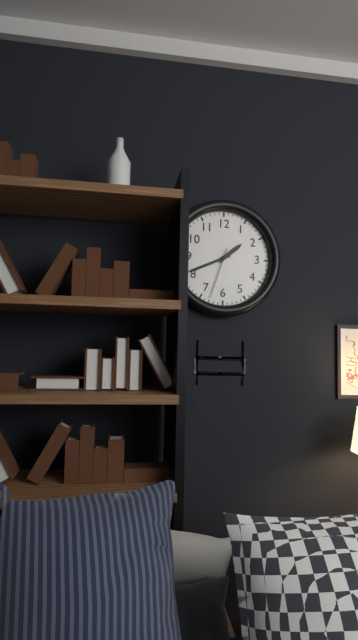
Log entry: h=1 m=41
